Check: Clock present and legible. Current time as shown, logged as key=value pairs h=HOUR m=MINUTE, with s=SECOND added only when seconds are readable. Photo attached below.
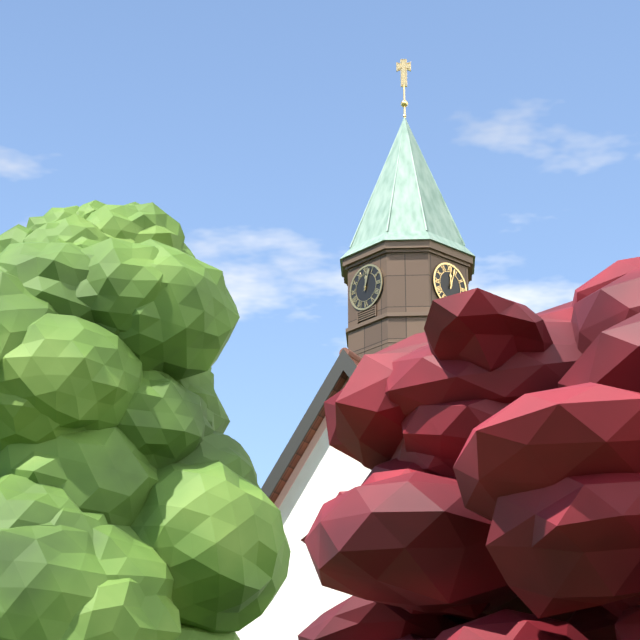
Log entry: h=12 m=3
